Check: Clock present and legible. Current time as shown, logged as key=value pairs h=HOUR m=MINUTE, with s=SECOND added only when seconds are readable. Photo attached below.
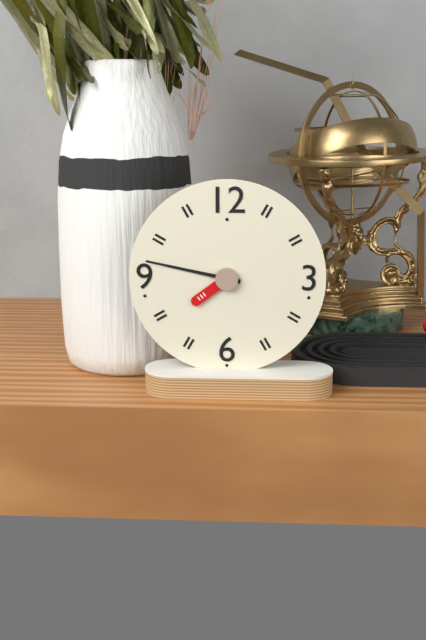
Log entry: h=7 m=47
